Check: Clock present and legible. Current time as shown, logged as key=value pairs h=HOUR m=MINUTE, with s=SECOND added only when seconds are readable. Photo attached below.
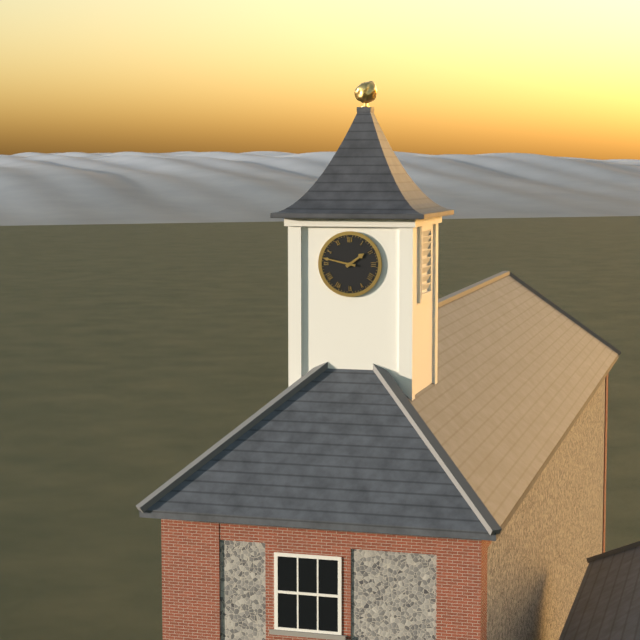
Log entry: h=1 m=47
